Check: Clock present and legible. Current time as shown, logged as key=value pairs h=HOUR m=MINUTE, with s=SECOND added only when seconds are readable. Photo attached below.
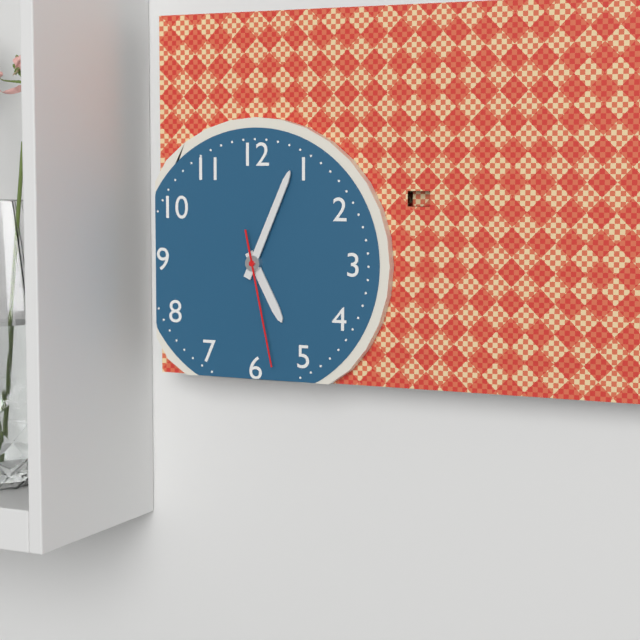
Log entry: h=5 m=4 s=28
